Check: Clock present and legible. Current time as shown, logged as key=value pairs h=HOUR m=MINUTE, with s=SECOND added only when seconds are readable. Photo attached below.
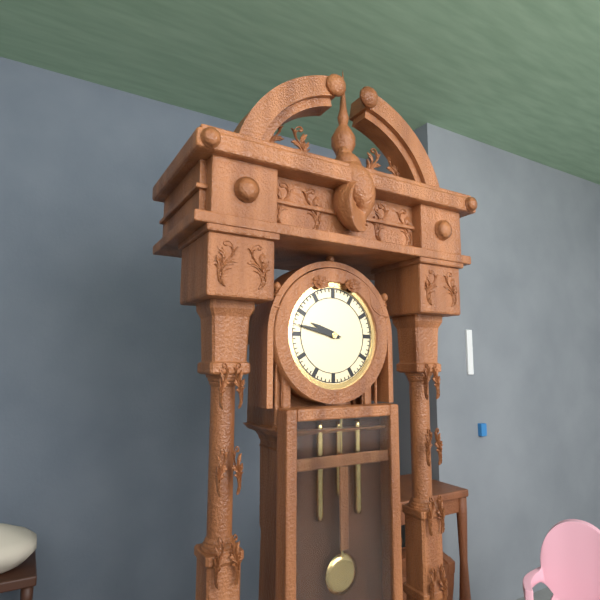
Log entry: h=9 m=47
